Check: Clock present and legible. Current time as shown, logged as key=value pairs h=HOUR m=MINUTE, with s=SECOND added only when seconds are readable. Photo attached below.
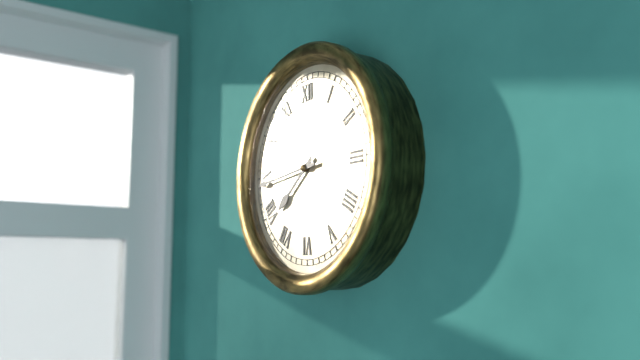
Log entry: h=7 m=44
